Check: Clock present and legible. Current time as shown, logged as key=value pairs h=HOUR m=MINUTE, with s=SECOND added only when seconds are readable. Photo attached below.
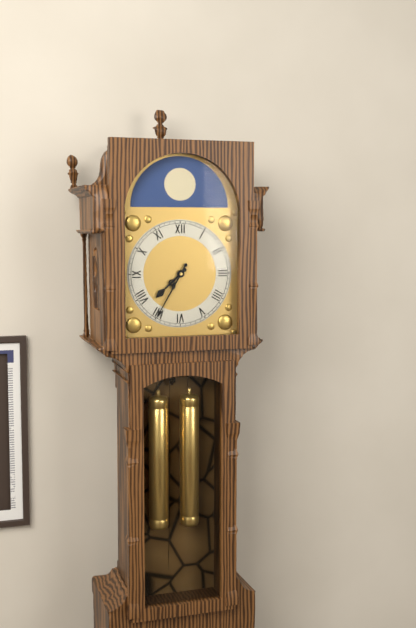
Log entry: h=7 m=35
